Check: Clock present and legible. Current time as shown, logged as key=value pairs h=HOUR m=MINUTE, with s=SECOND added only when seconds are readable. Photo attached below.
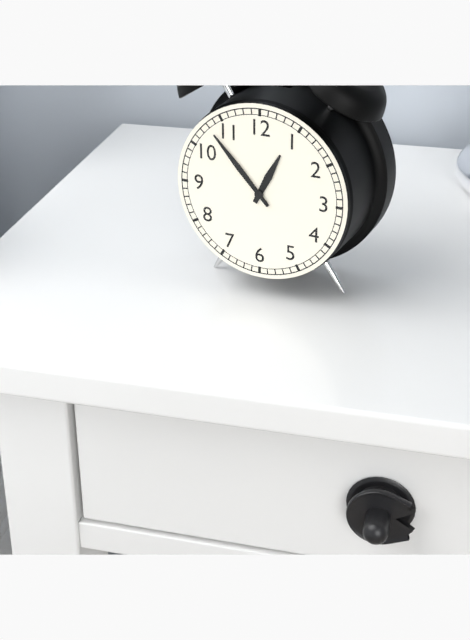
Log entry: h=12 m=53
